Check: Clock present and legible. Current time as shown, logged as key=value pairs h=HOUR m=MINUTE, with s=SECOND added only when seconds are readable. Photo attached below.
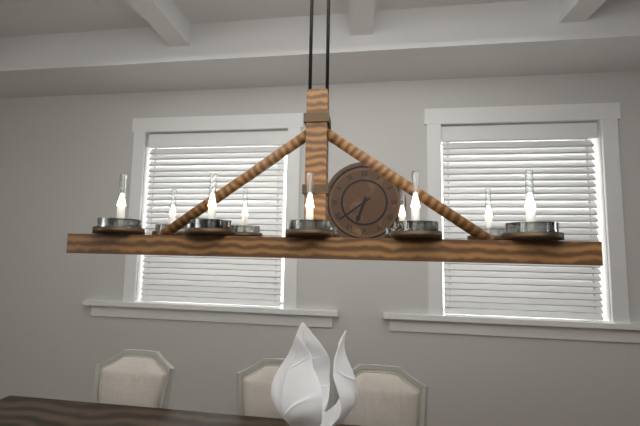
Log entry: h=6 m=39
